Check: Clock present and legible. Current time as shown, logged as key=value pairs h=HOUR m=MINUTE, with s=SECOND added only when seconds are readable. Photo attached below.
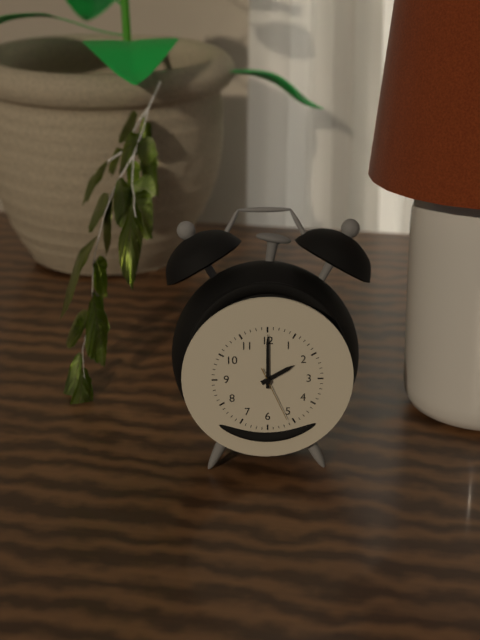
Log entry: h=2 m=0 s=26
